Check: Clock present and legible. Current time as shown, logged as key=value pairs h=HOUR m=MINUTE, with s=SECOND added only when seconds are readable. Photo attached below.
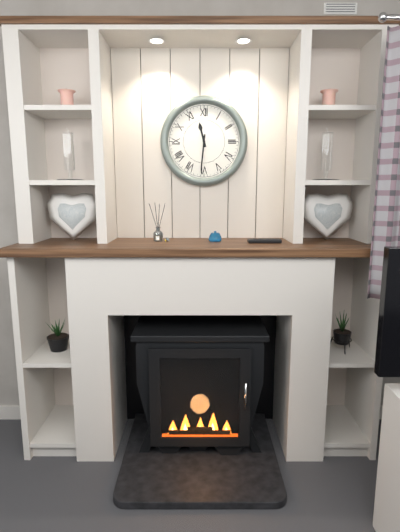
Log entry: h=11 m=31
